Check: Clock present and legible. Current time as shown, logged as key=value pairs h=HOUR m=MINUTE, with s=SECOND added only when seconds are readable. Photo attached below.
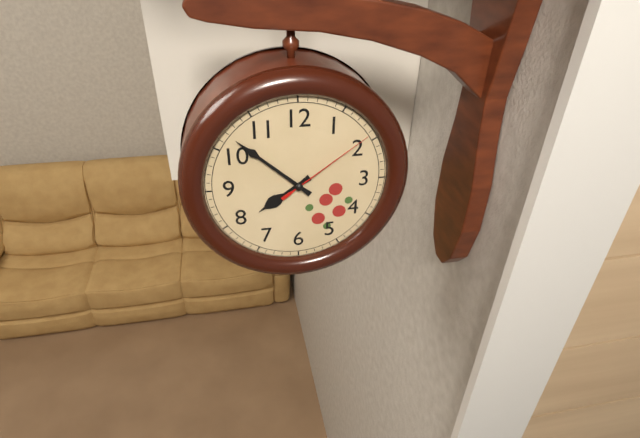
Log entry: h=7 m=52 s=9
